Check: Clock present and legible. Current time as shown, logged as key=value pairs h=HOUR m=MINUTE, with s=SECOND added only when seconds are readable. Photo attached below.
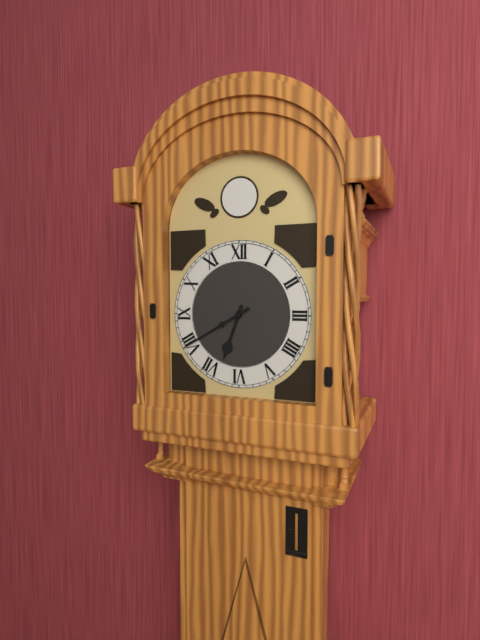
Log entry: h=6 m=40
